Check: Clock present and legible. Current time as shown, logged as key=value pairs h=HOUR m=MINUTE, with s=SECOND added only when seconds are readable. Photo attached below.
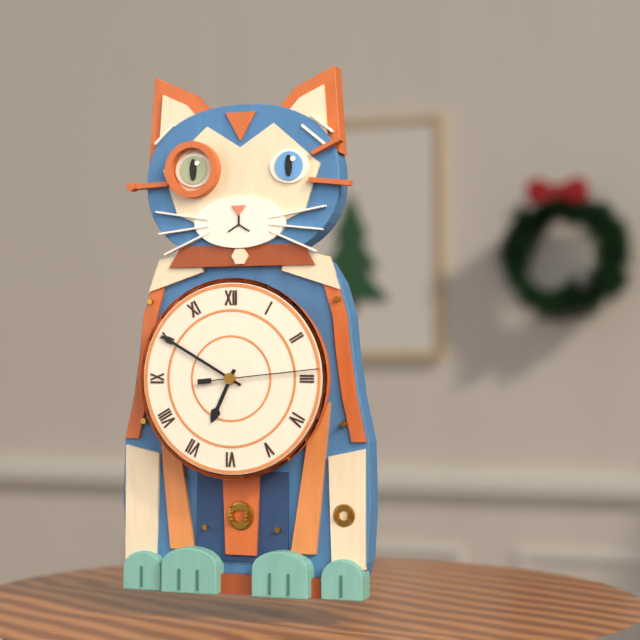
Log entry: h=6 m=50 s=14
